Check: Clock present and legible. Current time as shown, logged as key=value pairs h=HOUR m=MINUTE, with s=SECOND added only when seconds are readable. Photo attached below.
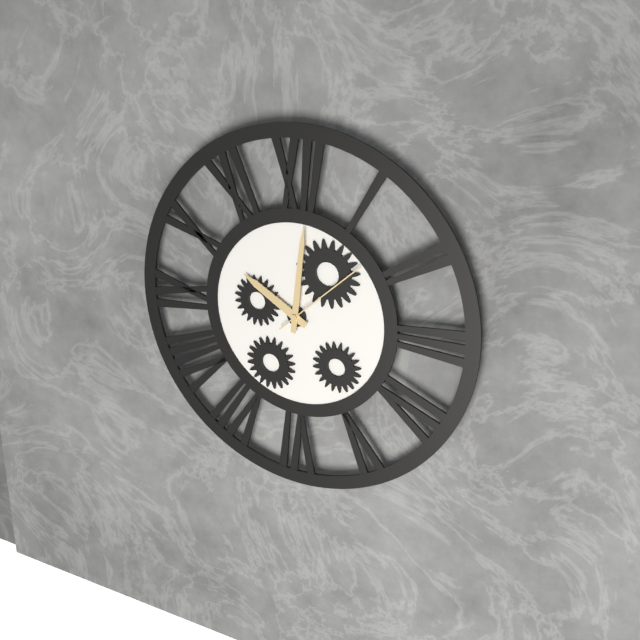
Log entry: h=10 m=1 s=8
